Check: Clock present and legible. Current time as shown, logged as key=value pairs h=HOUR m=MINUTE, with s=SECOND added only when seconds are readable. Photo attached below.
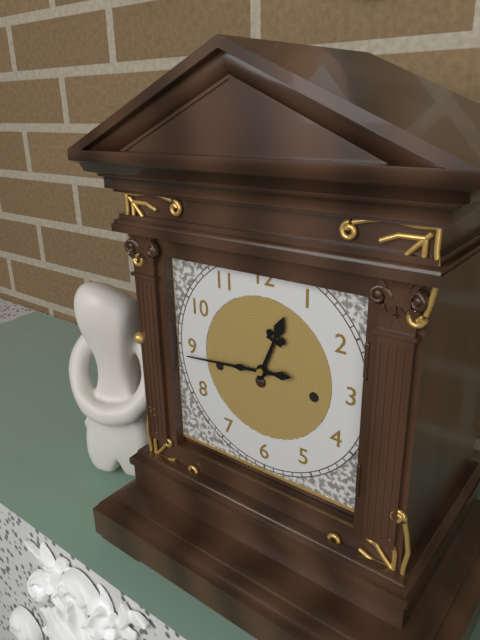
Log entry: h=12 m=44
